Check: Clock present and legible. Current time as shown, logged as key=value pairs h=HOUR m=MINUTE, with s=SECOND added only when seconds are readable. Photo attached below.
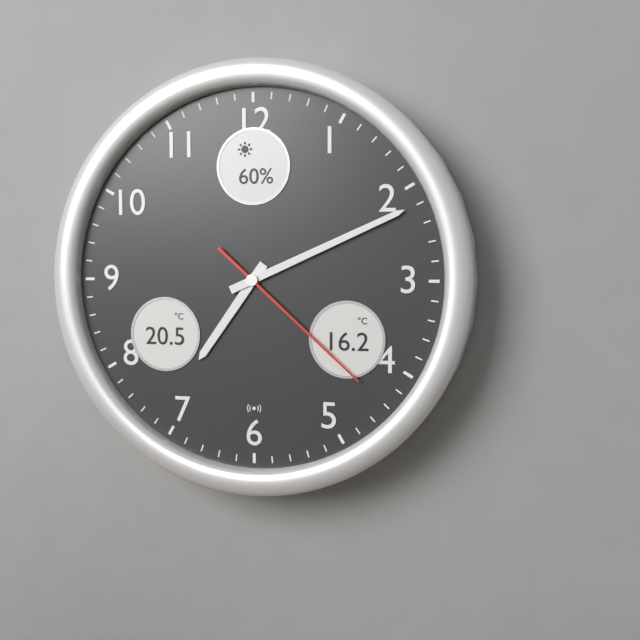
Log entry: h=7 m=11 s=22
